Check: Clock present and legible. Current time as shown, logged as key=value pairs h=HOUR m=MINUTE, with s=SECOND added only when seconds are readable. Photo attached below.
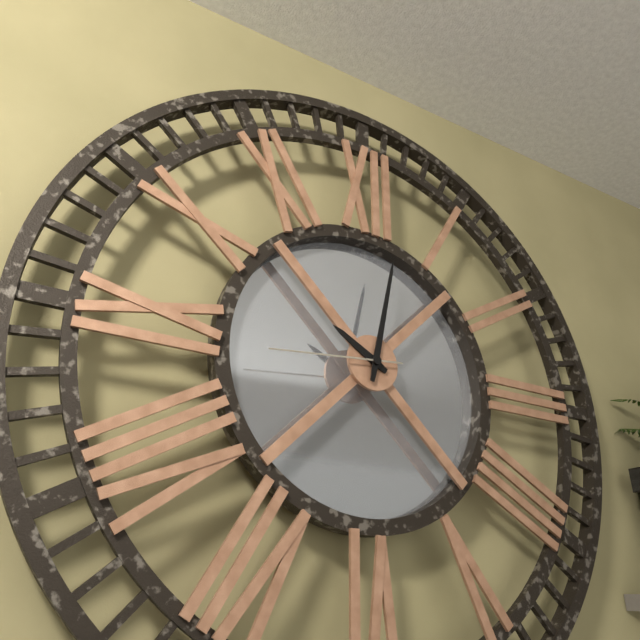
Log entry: h=10 m=2 s=44
